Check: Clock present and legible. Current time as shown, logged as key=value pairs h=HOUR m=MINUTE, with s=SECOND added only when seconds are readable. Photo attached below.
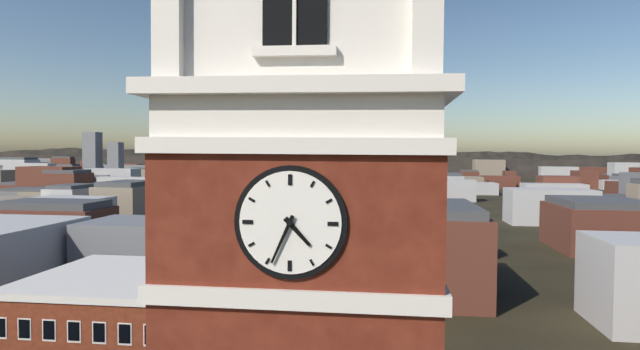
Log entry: h=4 m=34
